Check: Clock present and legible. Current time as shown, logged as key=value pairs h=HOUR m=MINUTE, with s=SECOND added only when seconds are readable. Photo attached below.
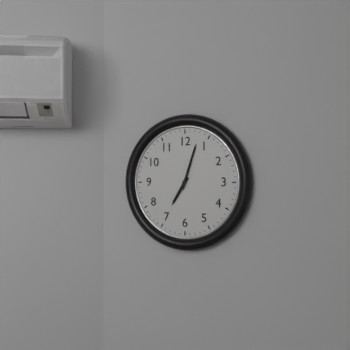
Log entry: h=7 m=3
